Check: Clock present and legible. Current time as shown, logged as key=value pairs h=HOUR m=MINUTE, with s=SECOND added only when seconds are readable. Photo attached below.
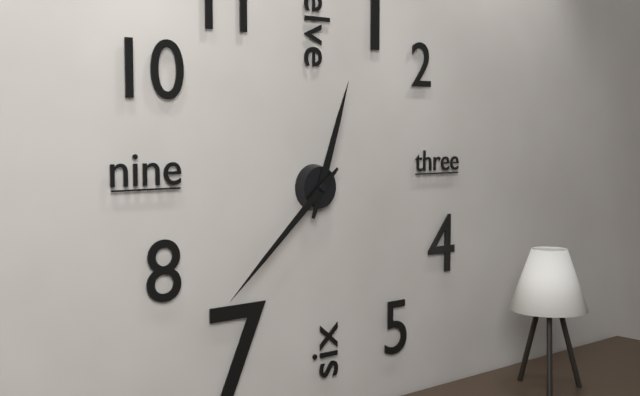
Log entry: h=12 m=38
